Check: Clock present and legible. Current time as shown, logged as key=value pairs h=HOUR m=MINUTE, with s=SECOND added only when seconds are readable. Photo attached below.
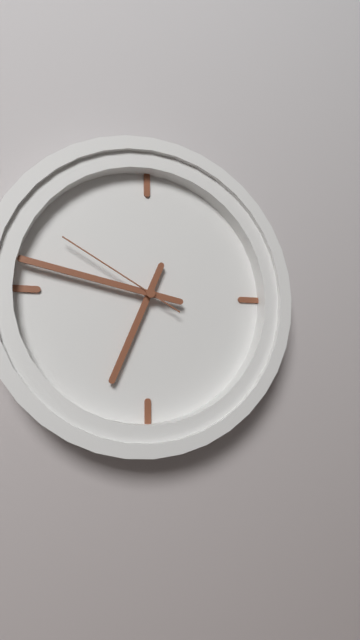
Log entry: h=6 m=47 s=50
